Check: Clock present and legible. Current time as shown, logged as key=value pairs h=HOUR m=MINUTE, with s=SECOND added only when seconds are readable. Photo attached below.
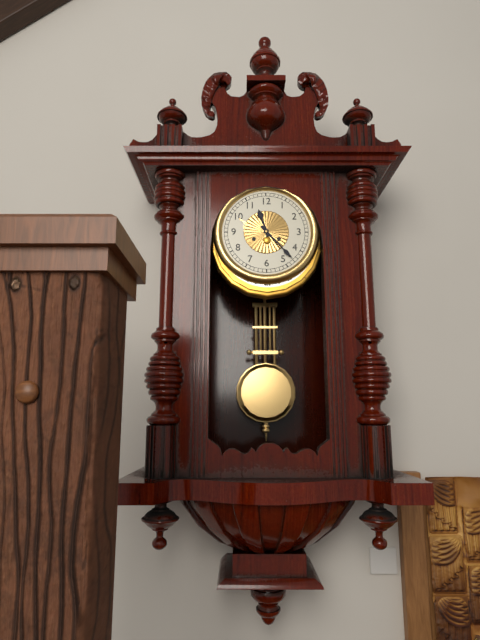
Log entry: h=11 m=23
